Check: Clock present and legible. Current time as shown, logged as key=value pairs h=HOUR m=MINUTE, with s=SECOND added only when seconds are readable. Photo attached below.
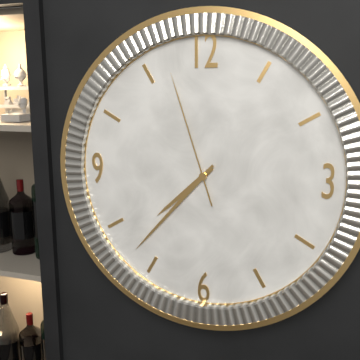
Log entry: h=7 m=37 s=57
